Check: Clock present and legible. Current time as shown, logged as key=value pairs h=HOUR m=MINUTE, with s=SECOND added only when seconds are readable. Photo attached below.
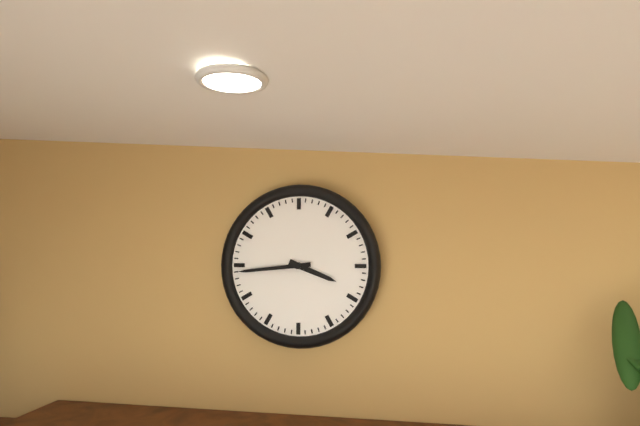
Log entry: h=3 m=44
